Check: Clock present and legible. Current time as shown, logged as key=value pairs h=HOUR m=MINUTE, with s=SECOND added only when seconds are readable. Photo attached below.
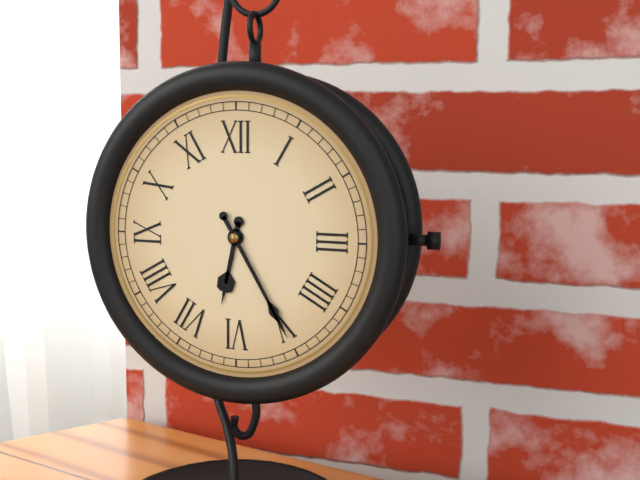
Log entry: h=6 m=25
